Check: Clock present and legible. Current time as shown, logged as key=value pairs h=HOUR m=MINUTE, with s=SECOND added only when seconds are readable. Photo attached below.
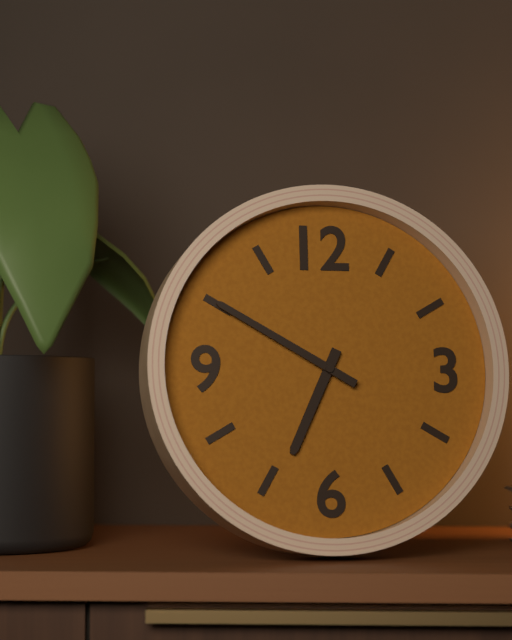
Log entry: h=6 m=50
